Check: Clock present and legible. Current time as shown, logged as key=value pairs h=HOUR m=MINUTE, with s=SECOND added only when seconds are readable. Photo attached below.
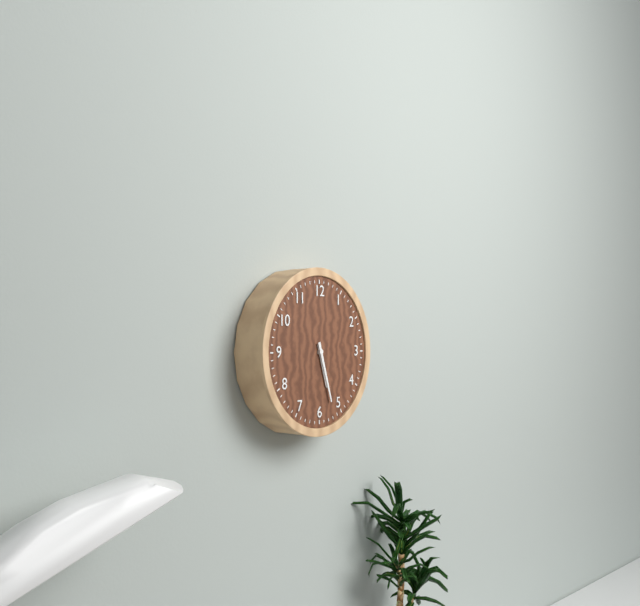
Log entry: h=5 m=27
